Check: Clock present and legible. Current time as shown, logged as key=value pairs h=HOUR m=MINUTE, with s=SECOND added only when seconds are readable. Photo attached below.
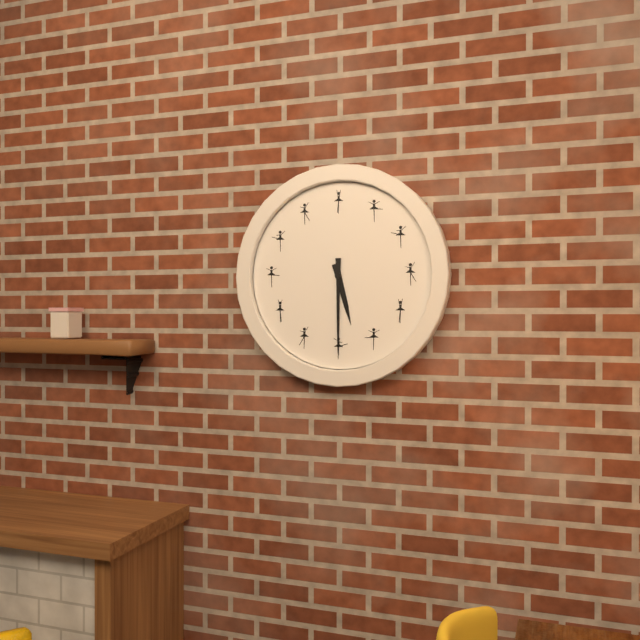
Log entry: h=5 m=30
